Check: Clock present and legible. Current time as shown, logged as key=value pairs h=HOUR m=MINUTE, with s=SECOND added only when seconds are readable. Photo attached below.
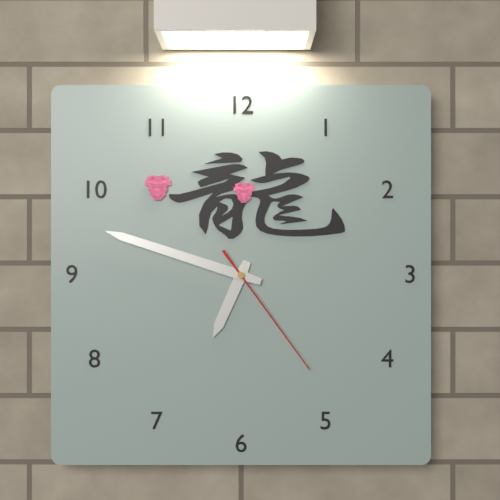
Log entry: h=6 m=48 s=24
